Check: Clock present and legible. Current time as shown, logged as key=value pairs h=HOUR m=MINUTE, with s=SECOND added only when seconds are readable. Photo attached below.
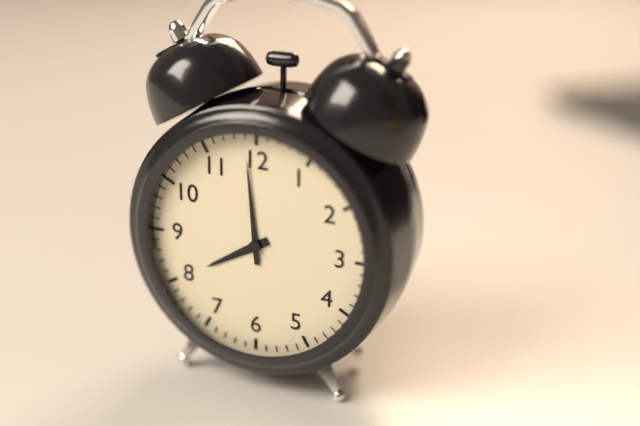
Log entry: h=7 m=59
